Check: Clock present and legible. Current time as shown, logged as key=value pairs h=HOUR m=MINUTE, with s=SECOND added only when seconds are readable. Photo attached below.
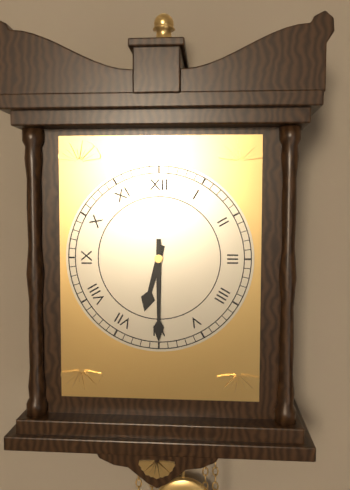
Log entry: h=6 m=30
